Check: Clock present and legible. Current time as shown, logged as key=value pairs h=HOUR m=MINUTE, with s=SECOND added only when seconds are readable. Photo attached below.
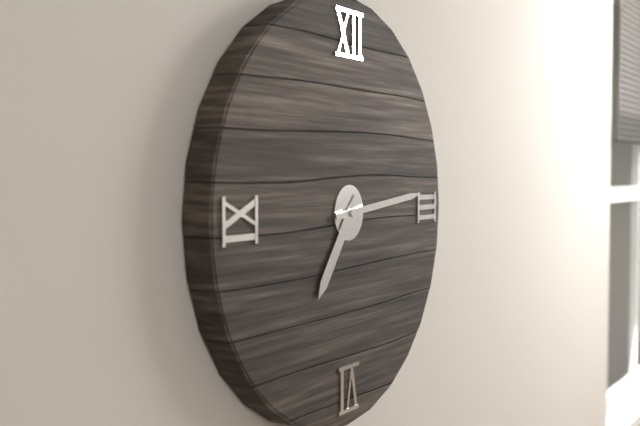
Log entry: h=7 m=14
